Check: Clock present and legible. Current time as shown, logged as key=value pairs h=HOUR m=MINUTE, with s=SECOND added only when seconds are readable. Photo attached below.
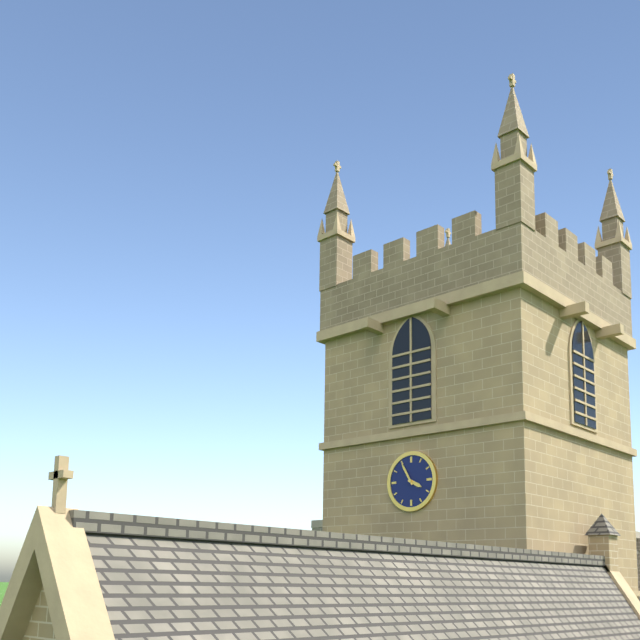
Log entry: h=3 m=55
